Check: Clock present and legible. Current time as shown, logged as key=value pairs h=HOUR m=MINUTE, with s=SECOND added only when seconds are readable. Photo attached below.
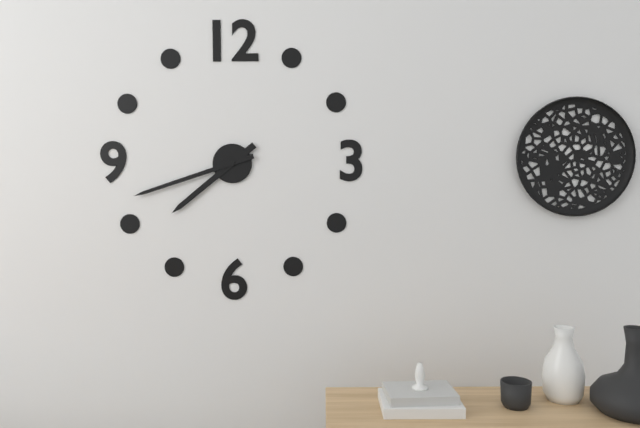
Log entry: h=7 m=42
